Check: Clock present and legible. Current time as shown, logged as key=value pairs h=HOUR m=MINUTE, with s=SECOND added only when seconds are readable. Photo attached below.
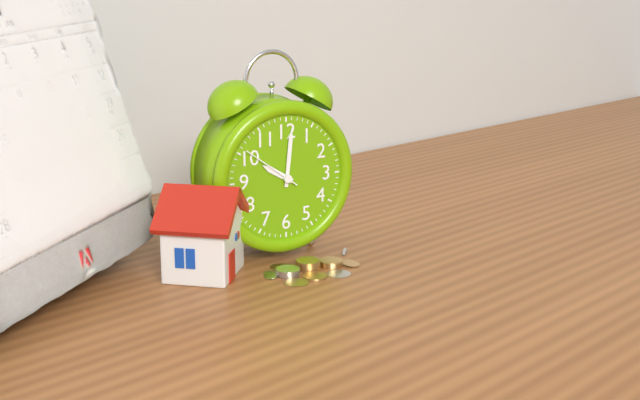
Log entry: h=10 m=1 s=51
